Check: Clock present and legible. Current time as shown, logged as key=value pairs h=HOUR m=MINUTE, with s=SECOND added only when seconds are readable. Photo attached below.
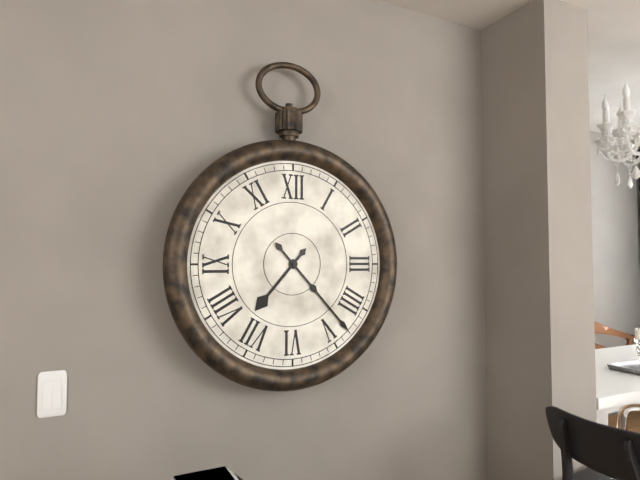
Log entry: h=7 m=23
